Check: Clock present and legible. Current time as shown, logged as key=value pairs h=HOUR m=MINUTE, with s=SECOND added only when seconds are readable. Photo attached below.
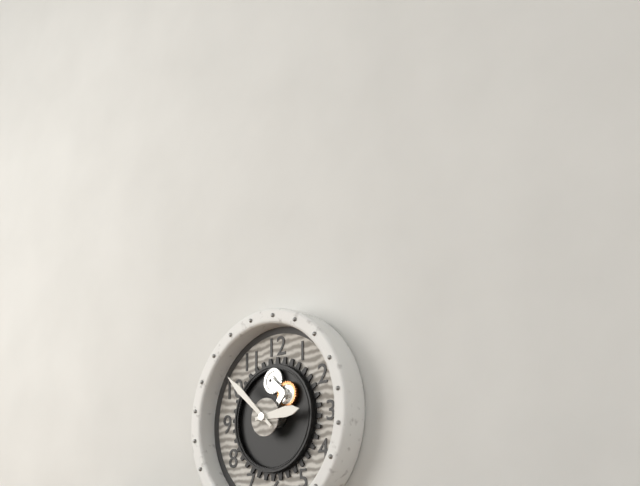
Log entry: h=2 m=52
